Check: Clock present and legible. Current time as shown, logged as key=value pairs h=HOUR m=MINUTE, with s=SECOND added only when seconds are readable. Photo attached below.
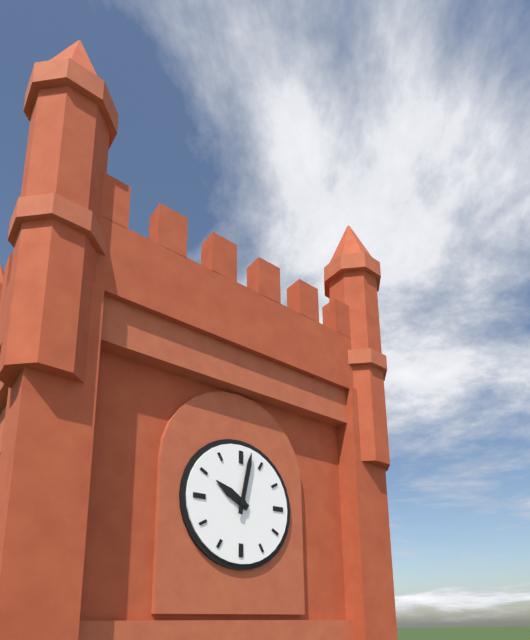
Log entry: h=10 m=2
